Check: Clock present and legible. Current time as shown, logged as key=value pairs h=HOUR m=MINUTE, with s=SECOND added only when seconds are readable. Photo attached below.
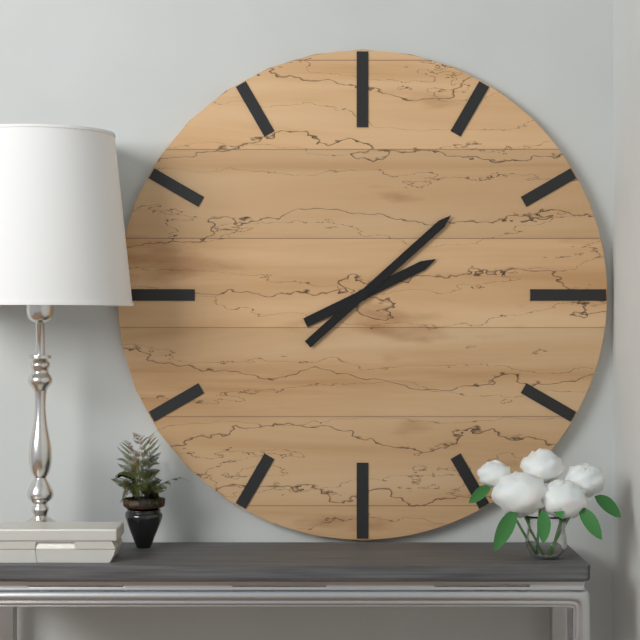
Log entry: h=2 m=8
